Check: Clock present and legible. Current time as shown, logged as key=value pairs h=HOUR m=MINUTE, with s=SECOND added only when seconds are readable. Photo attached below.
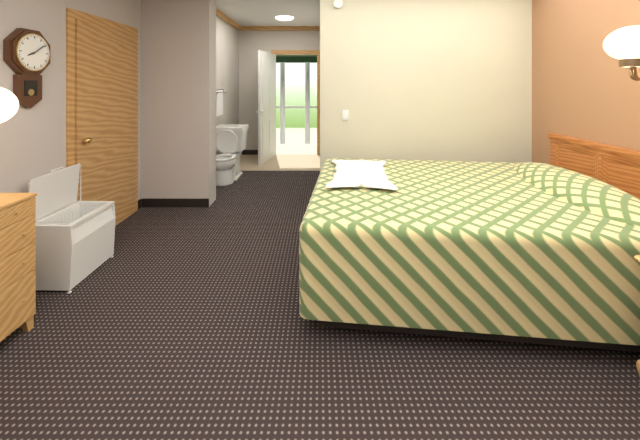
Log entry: h=8 m=9
